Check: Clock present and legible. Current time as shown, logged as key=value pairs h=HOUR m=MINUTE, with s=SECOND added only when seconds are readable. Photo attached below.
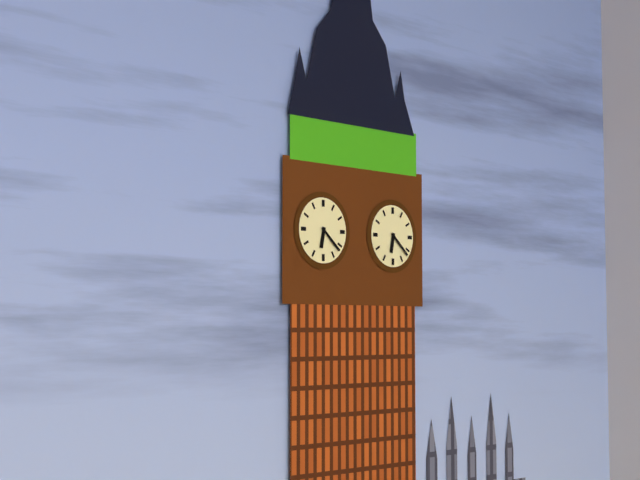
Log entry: h=6 m=22
